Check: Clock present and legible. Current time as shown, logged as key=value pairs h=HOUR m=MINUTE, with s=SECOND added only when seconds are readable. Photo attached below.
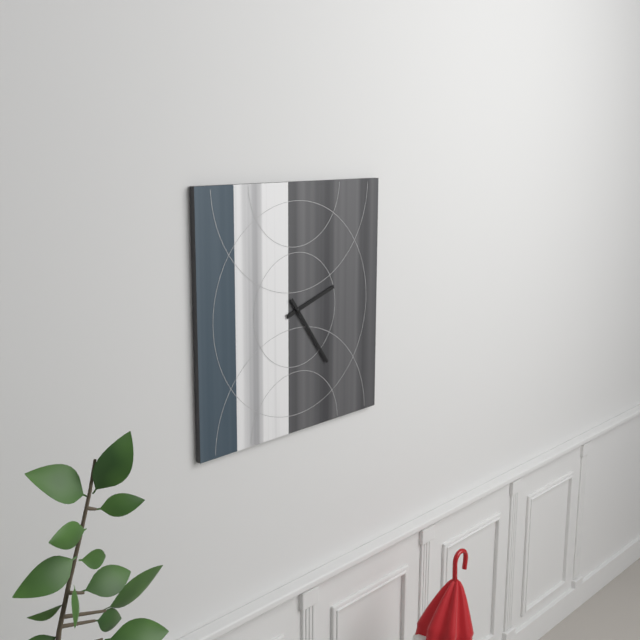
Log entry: h=2 m=24
